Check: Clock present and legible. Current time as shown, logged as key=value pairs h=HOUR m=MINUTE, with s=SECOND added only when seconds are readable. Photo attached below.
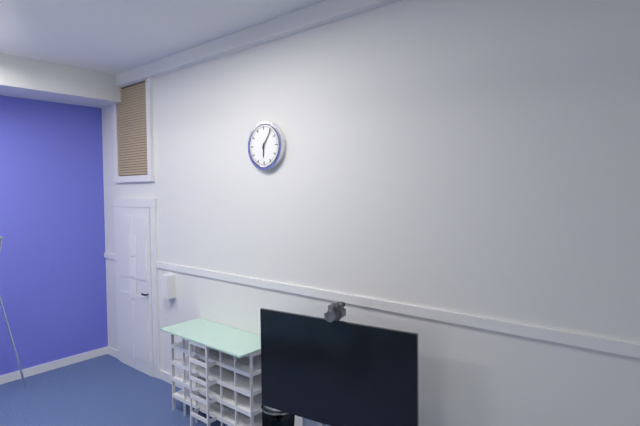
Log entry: h=6 m=6
